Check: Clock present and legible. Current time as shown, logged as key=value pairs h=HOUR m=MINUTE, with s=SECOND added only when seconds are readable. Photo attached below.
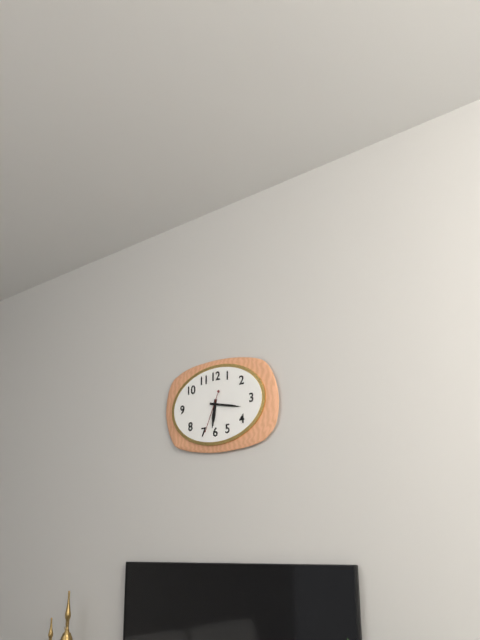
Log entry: h=6 m=17
